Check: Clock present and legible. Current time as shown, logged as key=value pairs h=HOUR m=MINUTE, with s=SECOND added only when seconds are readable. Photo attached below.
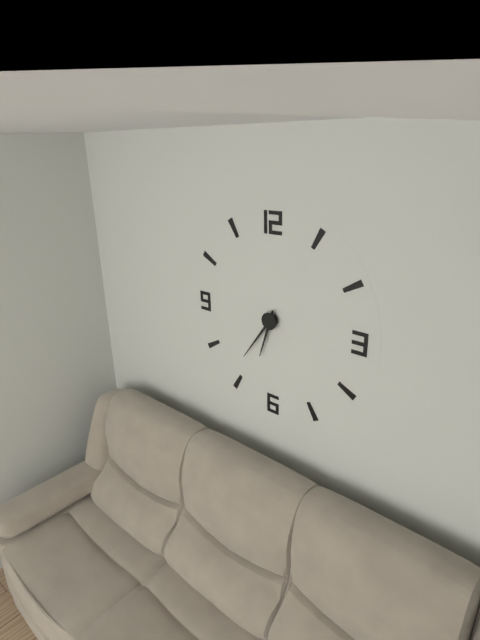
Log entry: h=6 m=36
